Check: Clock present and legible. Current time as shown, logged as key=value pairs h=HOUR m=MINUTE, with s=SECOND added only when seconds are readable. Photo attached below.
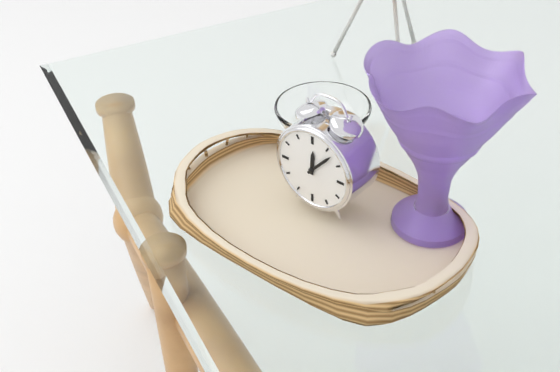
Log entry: h=12 m=7
